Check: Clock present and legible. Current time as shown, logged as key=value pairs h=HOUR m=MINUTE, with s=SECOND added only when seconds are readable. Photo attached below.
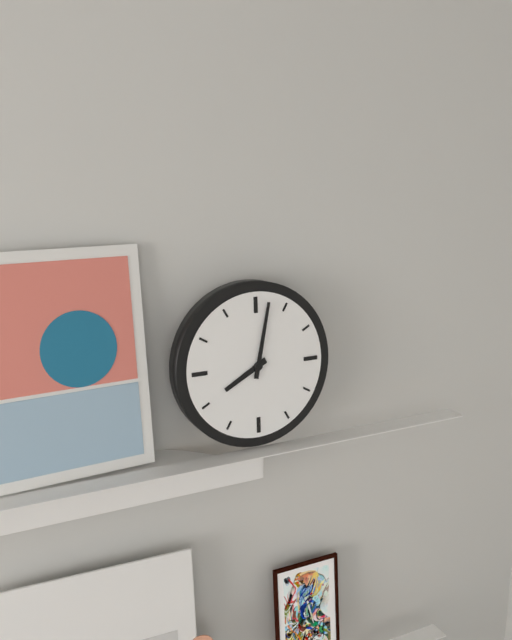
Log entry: h=8 m=2
